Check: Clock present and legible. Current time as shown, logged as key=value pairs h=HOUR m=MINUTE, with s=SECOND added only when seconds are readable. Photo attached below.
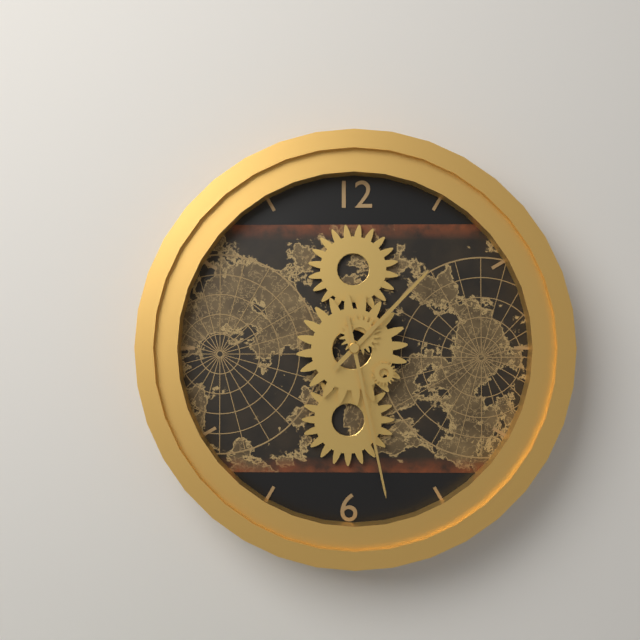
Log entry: h=1 m=28
